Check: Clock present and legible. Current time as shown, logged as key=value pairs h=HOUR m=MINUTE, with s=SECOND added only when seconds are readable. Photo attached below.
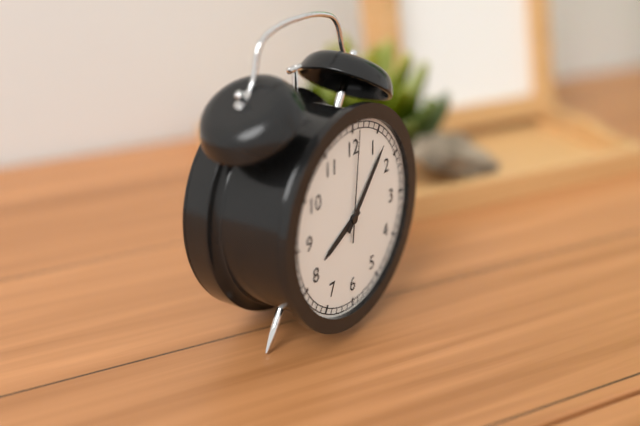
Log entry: h=8 m=7 s=1
